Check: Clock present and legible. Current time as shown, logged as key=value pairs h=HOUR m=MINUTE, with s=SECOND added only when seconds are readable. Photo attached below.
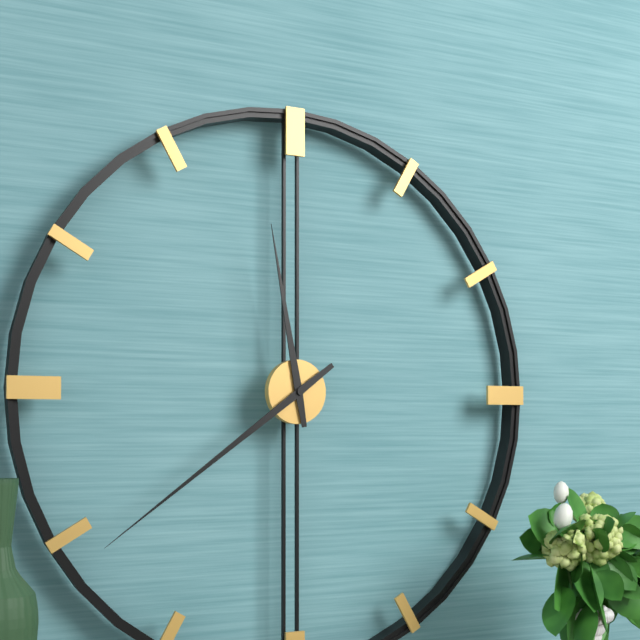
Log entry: h=11 m=39
